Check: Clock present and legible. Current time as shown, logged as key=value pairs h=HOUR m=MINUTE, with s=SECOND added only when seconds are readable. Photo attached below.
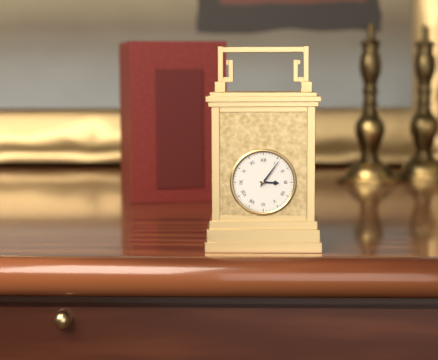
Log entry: h=3 m=6
